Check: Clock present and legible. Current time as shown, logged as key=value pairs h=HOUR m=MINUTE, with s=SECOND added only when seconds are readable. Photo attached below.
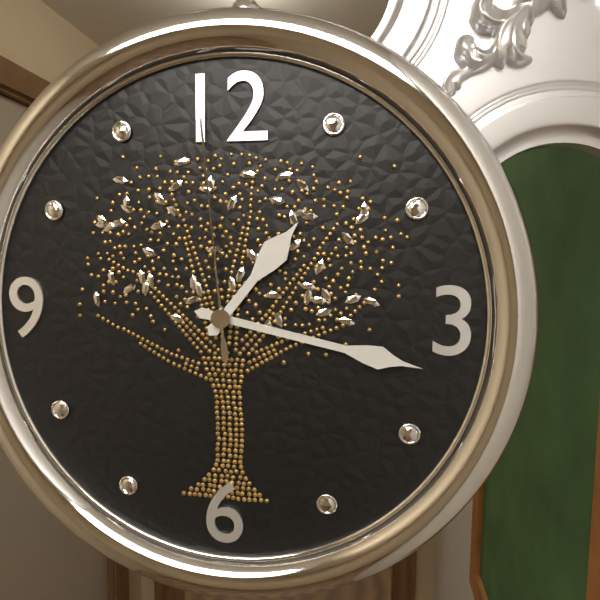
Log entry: h=1 m=17 s=59
